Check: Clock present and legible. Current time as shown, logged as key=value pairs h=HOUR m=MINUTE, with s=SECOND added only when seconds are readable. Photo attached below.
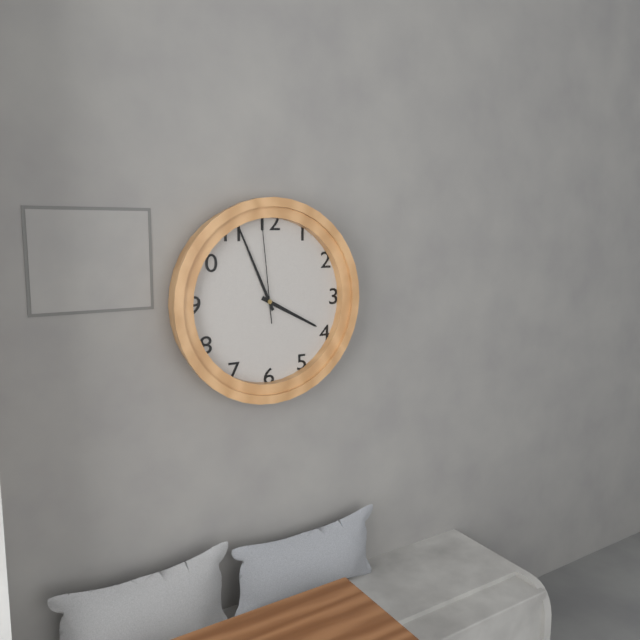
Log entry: h=3 m=56 s=59
